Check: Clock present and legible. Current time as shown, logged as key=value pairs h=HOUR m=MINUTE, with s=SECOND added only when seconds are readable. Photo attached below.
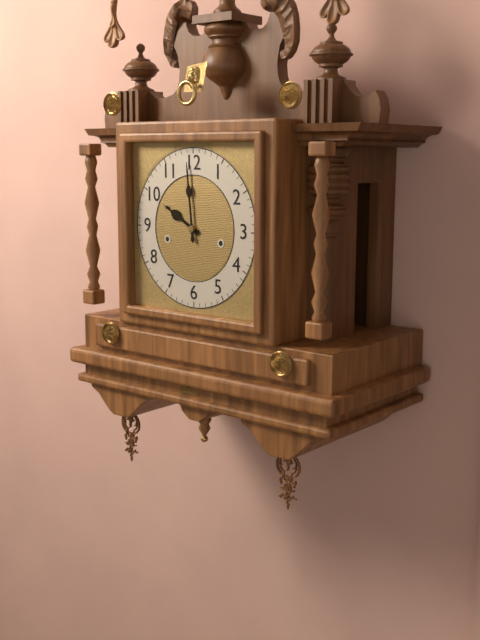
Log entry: h=9 m=59
